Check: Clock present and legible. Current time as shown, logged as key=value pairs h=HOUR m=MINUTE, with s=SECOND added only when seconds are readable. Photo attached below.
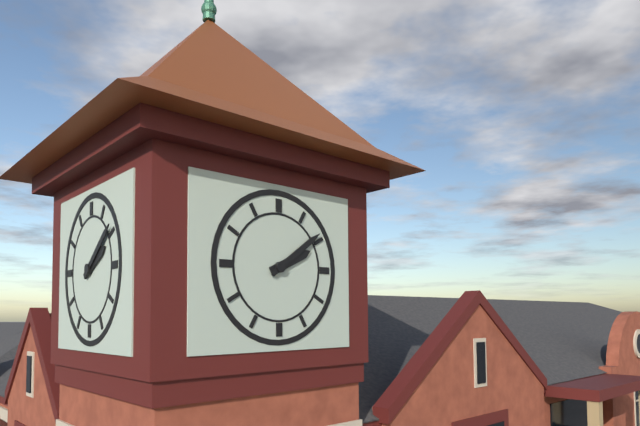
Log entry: h=2 m=9
